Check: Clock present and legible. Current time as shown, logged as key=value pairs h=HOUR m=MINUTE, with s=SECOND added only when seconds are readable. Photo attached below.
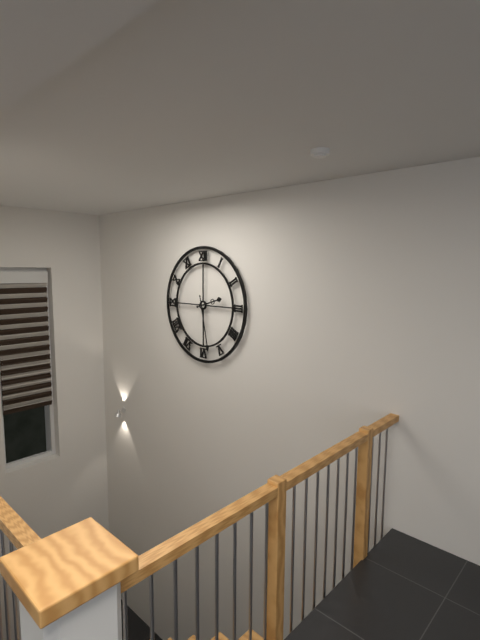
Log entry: h=2 m=28
